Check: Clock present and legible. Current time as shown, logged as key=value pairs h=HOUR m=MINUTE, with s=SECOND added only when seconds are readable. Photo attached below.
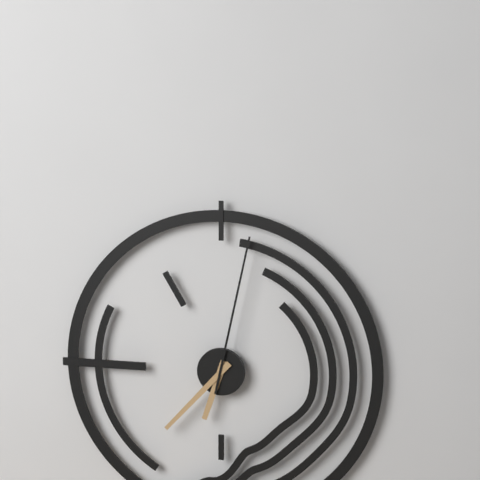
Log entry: h=6 m=37 s=2
